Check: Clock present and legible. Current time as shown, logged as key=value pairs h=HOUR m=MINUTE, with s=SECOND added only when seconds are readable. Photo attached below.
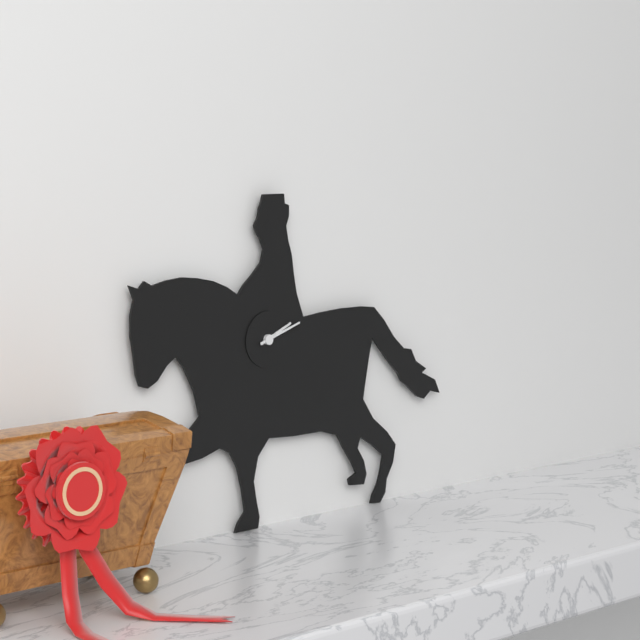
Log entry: h=2 m=12
